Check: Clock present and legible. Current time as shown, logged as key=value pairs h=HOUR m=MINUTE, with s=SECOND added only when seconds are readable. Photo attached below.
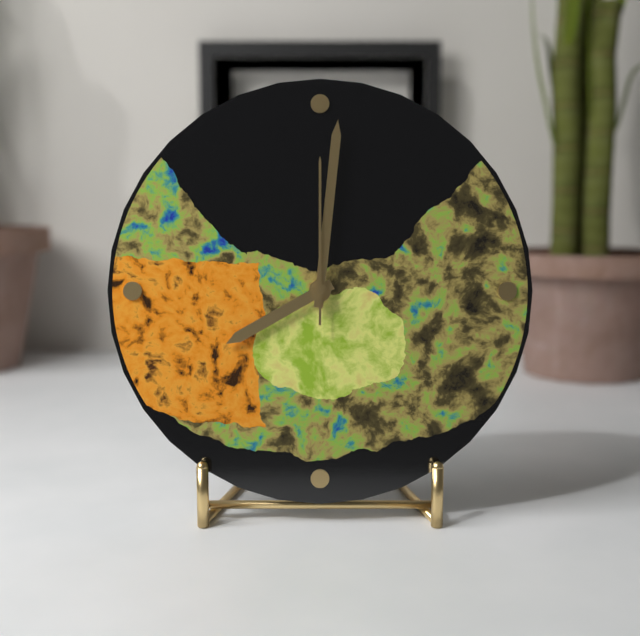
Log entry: h=8 m=1 s=0
